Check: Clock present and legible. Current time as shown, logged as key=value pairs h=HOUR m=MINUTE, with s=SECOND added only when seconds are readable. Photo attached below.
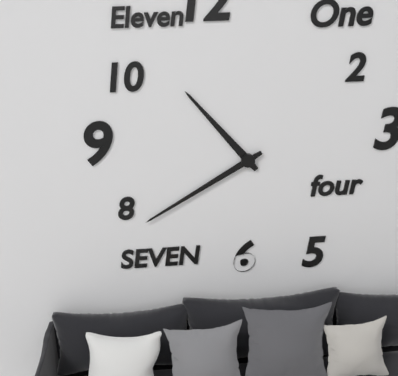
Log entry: h=10 m=40
